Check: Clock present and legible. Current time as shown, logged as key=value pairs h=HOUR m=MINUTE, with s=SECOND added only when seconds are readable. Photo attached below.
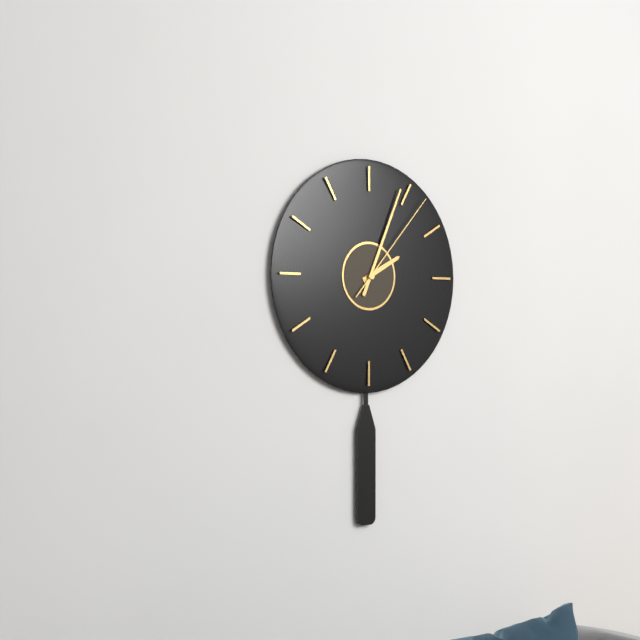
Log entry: h=2 m=4 s=7
